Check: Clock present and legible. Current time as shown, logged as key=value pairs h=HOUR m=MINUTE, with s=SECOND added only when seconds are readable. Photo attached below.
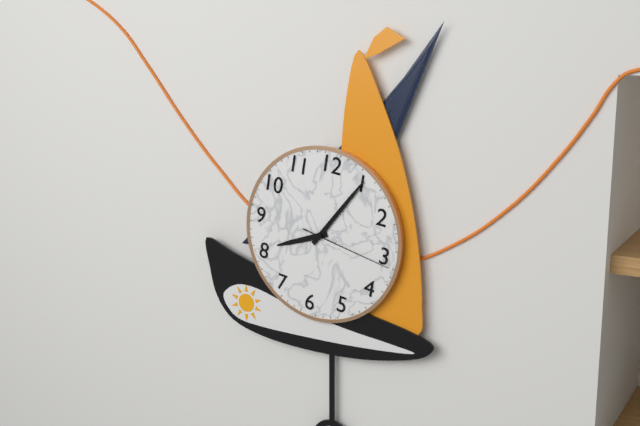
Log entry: h=8 m=5 s=16
